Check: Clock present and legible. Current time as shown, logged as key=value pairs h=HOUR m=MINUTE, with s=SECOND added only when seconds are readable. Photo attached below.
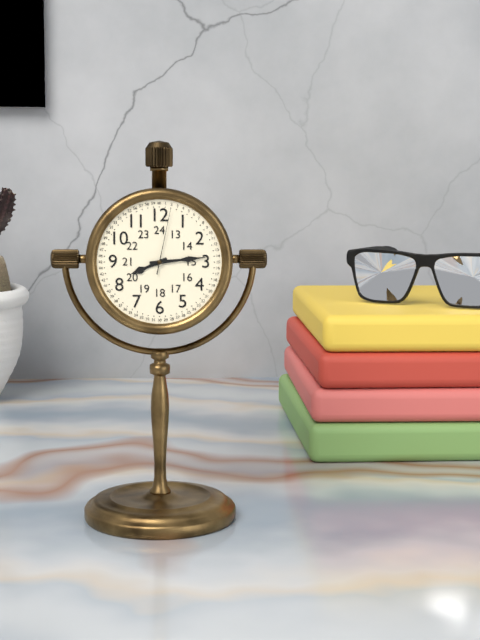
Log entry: h=8 m=14 s=2
